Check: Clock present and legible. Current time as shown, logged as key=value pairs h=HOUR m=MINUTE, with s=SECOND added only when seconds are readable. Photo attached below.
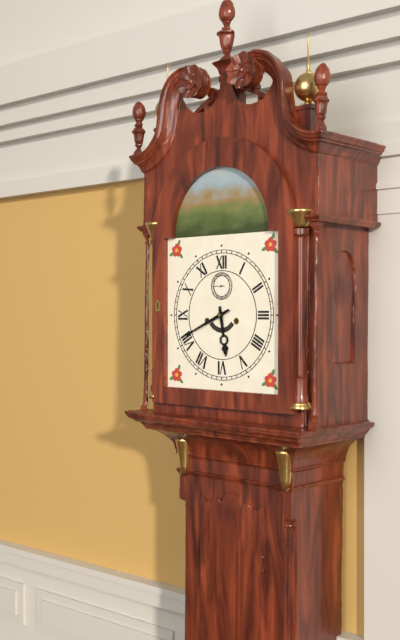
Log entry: h=5 m=41
